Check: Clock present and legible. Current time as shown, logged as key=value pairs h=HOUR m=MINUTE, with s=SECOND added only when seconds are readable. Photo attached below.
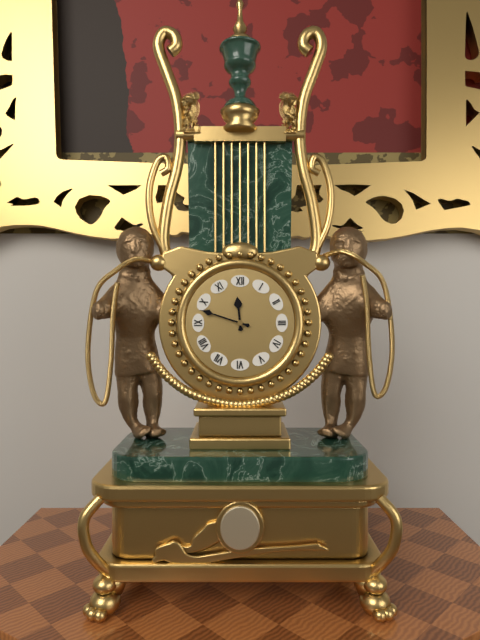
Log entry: h=11 m=48
